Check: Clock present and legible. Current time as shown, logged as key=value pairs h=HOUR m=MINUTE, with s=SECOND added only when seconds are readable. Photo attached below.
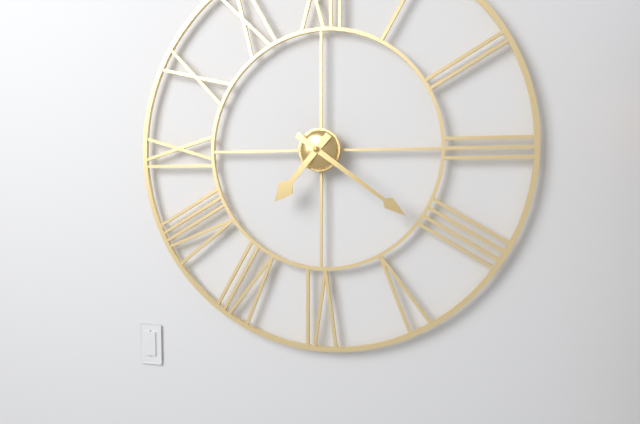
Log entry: h=7 m=21
